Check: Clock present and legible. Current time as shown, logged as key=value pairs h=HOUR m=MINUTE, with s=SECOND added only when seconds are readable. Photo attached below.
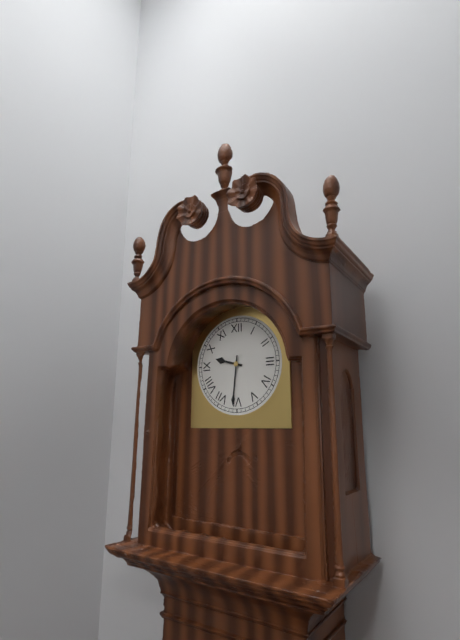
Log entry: h=9 m=31
